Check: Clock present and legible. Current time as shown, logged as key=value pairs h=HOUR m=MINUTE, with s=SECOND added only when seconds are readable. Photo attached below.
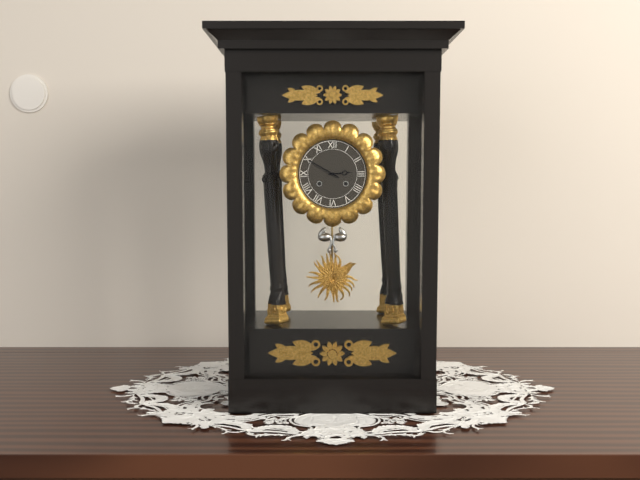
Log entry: h=2 m=50
